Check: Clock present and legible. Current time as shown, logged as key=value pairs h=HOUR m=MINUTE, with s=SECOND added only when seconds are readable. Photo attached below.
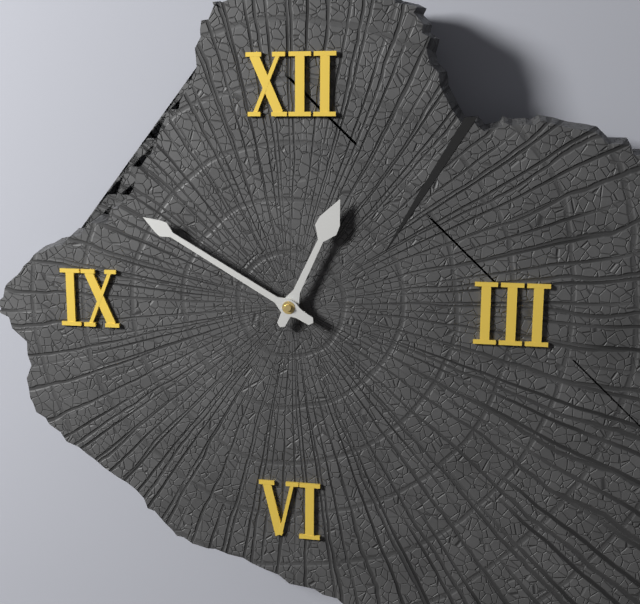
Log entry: h=12 m=50
